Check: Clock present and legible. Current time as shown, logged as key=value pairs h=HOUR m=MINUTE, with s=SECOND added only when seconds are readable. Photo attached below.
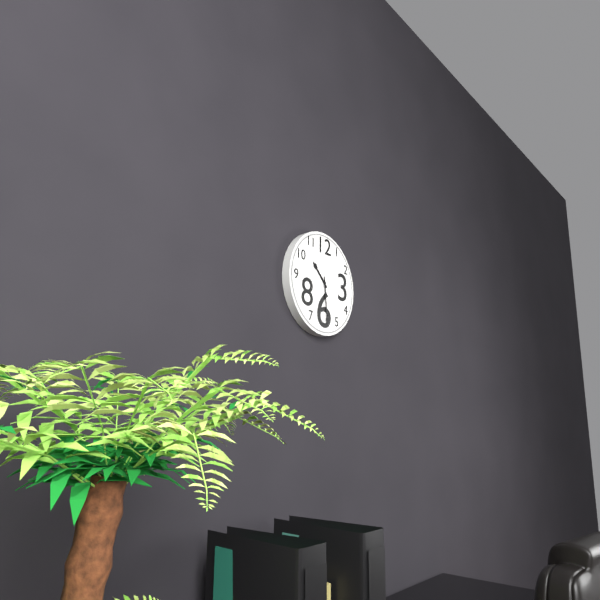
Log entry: h=10 m=29
